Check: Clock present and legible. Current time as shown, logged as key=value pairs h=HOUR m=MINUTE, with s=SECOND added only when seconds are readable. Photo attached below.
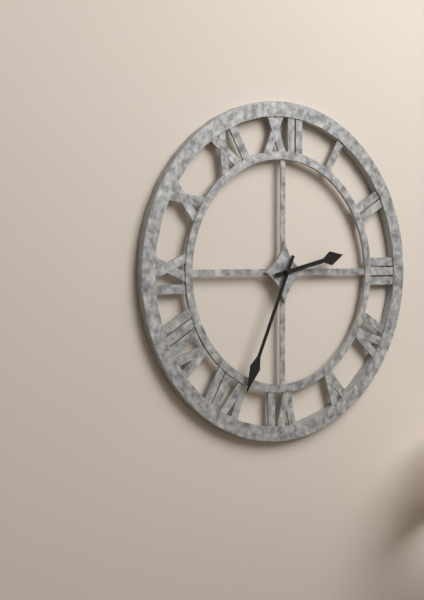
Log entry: h=2 m=34
